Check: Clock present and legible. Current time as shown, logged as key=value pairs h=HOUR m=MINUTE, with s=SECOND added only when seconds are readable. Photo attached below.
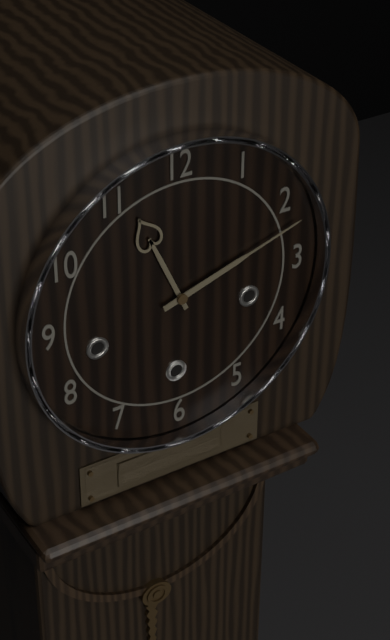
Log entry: h=11 m=12
